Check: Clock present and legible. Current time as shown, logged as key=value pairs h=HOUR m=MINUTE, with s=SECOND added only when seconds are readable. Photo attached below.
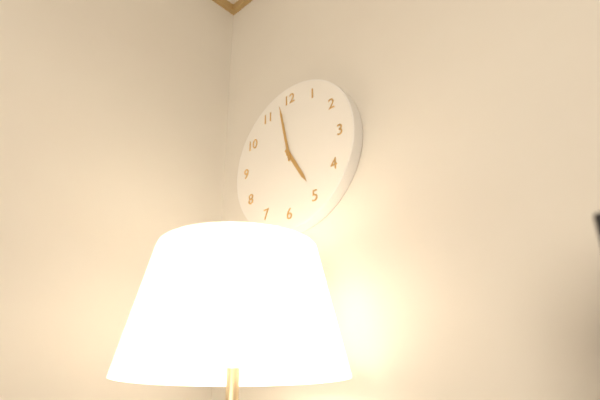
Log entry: h=4 m=58
